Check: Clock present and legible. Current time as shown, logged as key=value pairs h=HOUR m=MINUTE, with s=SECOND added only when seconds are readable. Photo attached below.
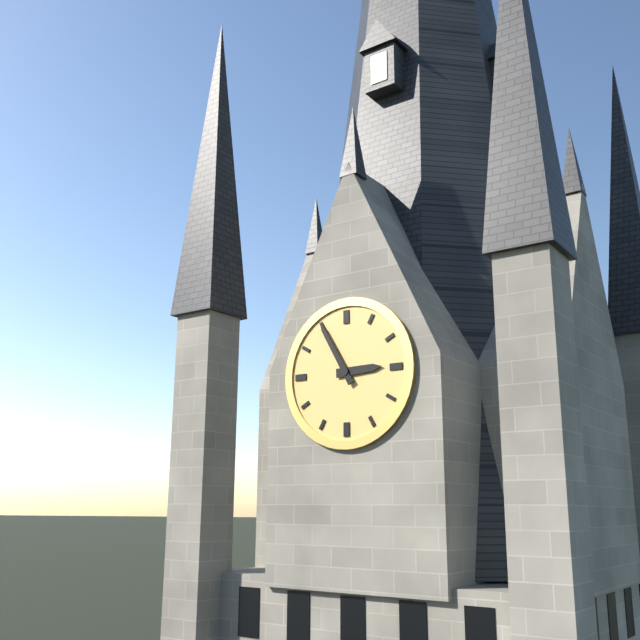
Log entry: h=2 m=55
